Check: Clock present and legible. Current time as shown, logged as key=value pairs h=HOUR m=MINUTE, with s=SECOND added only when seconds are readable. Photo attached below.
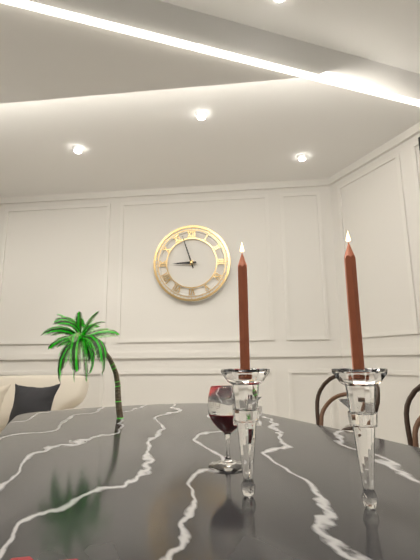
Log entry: h=8 m=57
